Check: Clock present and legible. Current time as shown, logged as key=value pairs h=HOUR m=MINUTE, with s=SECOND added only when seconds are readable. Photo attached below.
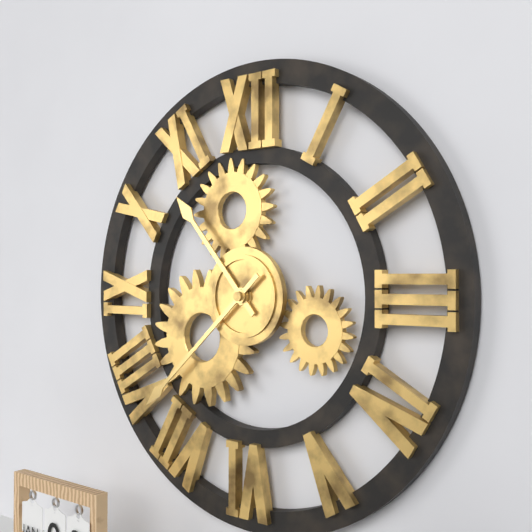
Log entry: h=10 m=38
